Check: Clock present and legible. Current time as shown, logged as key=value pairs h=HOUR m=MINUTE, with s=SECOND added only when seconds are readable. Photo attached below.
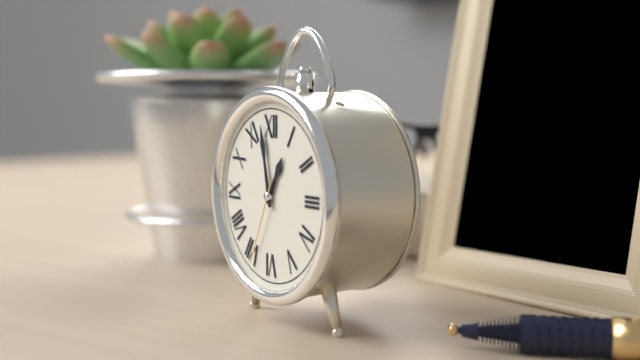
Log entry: h=12 m=58 s=34
